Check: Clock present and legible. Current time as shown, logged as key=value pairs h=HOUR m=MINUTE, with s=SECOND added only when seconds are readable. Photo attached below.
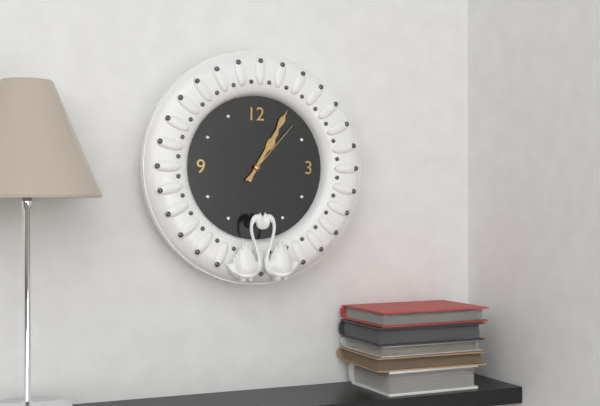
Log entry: h=1 m=5 s=7
